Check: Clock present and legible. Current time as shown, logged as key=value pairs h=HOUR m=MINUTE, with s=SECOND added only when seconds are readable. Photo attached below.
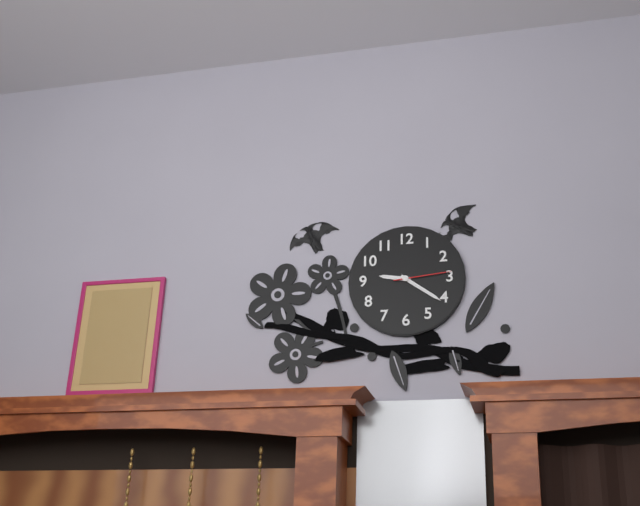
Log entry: h=9 m=21 s=14
